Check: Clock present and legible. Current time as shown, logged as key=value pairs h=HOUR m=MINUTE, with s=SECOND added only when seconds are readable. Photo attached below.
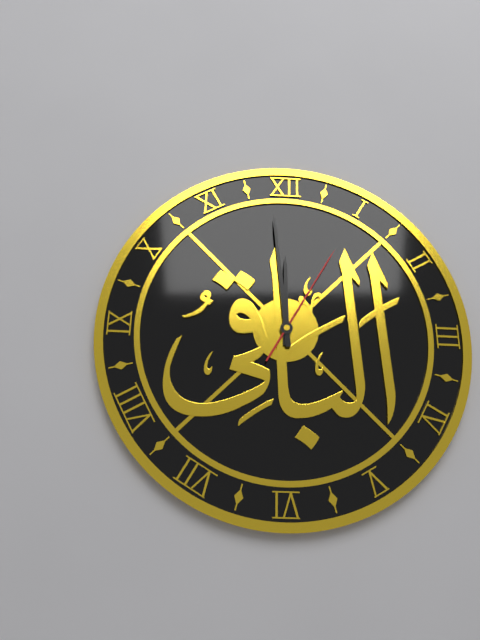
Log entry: h=11 m=59 s=5
